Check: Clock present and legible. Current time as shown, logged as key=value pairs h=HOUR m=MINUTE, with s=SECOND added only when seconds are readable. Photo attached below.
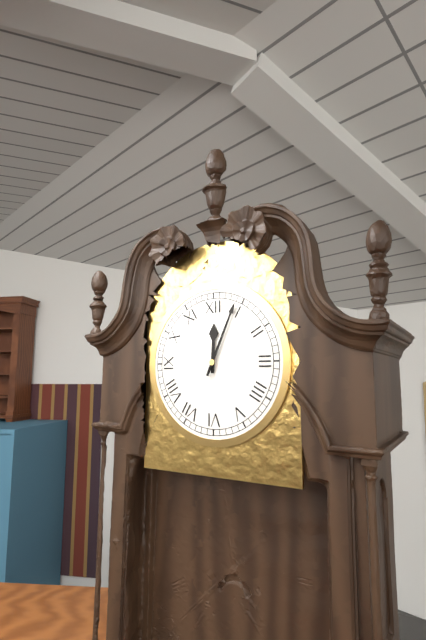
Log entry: h=12 m=4
